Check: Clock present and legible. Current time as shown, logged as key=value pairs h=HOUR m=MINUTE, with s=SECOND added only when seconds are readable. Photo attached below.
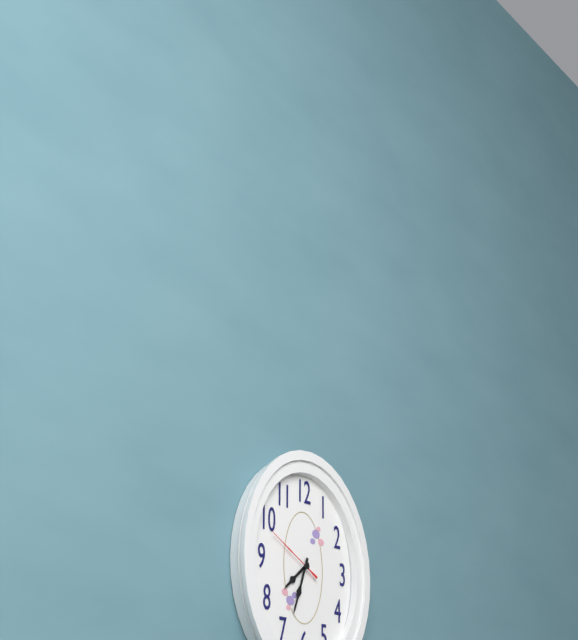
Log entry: h=7 m=33 s=50
